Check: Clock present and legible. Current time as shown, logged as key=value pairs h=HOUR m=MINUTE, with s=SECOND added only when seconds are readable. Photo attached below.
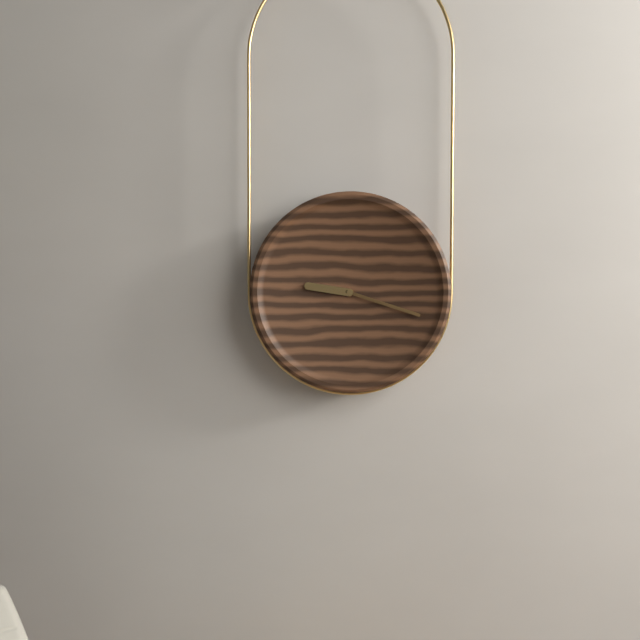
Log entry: h=9 m=18
